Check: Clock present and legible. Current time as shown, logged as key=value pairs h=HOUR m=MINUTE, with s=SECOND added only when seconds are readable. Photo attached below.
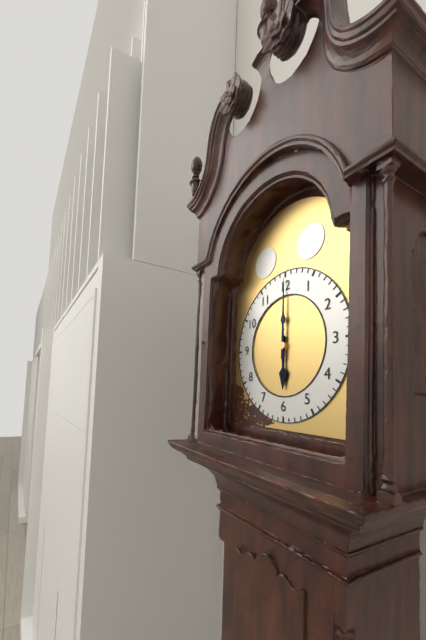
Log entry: h=6 m=0
